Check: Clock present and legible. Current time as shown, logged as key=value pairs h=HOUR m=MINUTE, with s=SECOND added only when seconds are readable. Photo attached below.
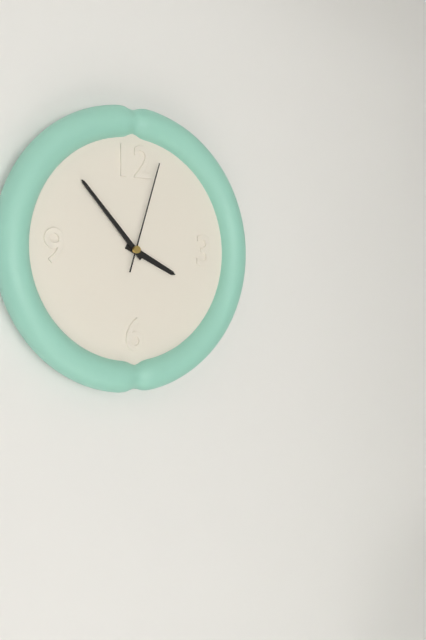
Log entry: h=3 m=53 s=3
